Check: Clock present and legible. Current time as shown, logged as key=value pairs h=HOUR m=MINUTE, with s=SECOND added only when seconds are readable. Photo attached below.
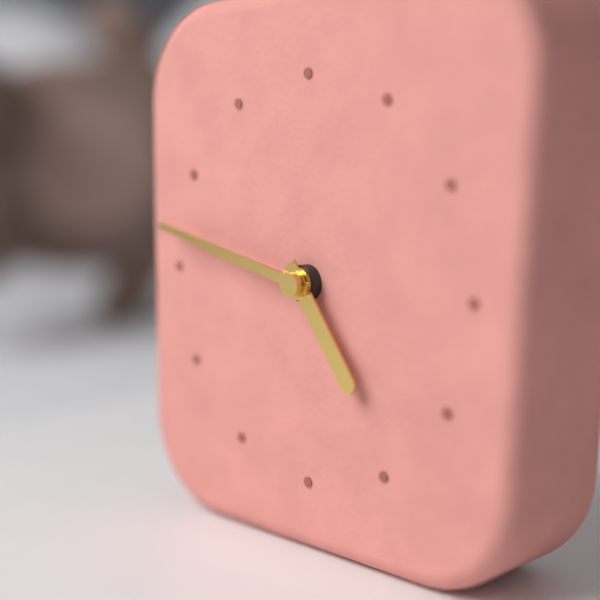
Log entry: h=4 m=47
